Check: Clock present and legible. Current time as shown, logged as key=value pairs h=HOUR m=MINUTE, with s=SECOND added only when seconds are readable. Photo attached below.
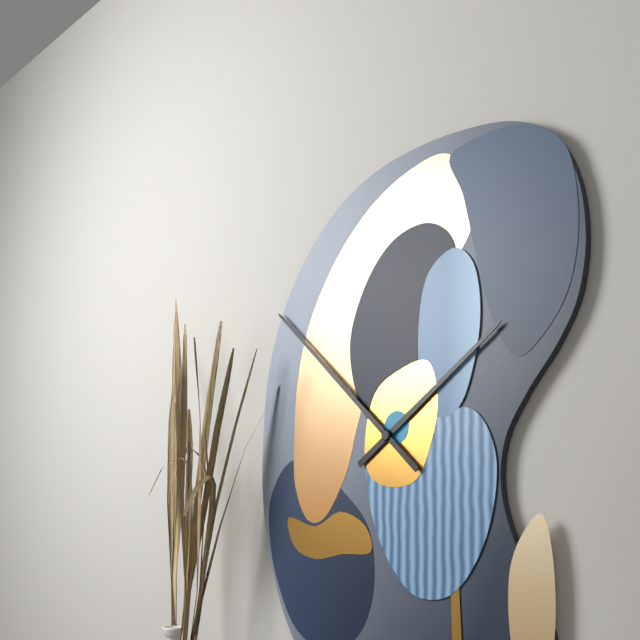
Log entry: h=1 m=52
